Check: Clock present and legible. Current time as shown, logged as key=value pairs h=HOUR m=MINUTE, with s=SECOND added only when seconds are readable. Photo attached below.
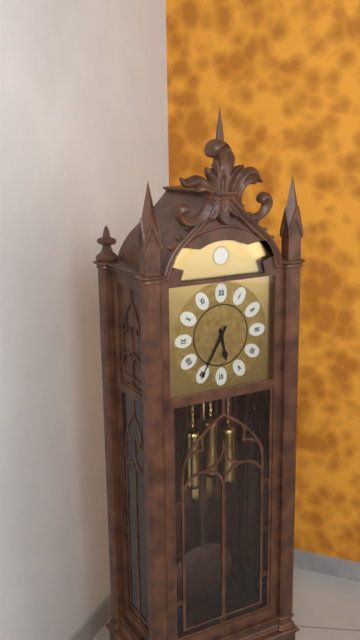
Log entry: h=5 m=35
